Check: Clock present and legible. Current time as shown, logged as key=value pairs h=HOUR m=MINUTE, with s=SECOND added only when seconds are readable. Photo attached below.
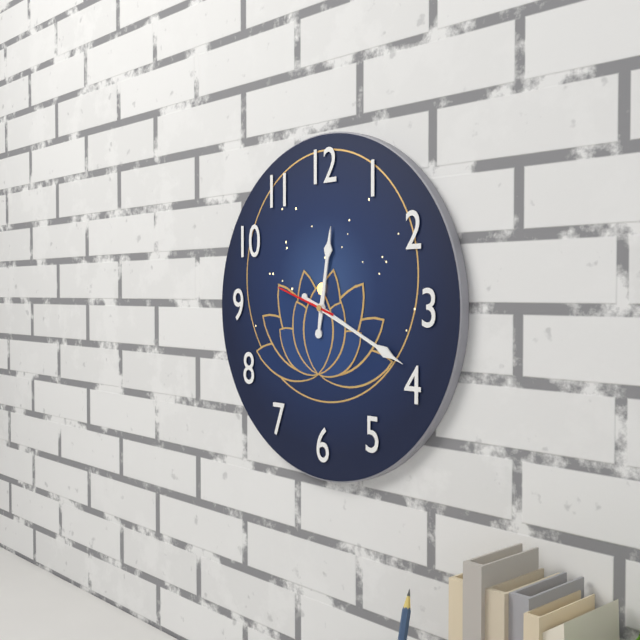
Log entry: h=12 m=19 s=48
